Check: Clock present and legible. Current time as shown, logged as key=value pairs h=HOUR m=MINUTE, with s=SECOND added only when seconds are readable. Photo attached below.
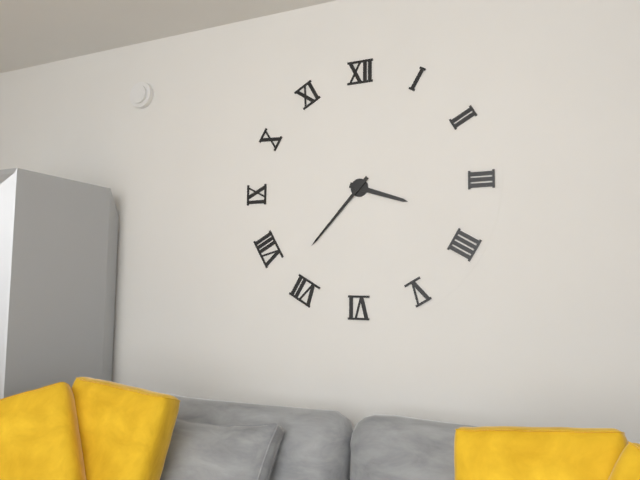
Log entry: h=3 m=37
